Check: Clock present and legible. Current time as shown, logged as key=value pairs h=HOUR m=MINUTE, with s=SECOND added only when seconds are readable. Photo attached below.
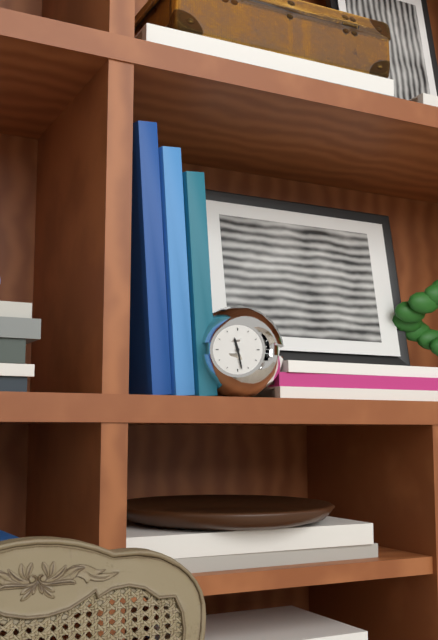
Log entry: h=11 m=28
